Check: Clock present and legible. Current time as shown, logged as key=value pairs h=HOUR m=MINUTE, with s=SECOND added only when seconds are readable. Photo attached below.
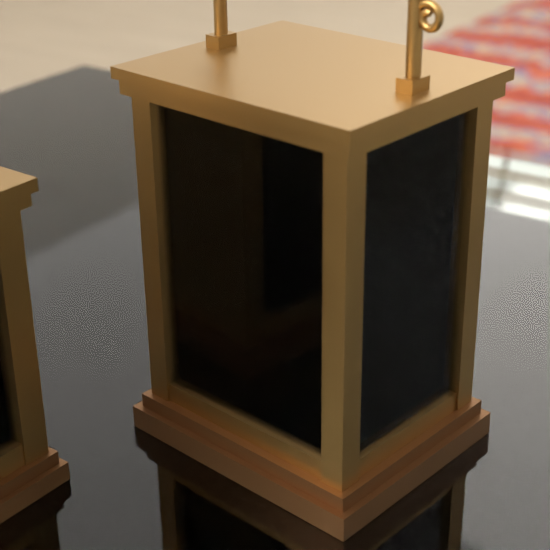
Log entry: h=6 m=8
